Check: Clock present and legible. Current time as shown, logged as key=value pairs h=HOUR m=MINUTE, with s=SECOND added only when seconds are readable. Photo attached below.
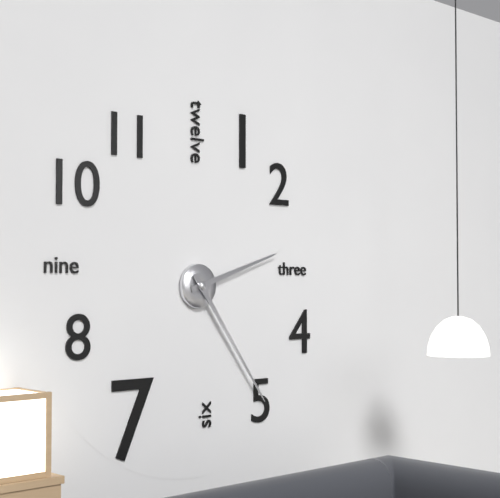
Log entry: h=2 m=24
